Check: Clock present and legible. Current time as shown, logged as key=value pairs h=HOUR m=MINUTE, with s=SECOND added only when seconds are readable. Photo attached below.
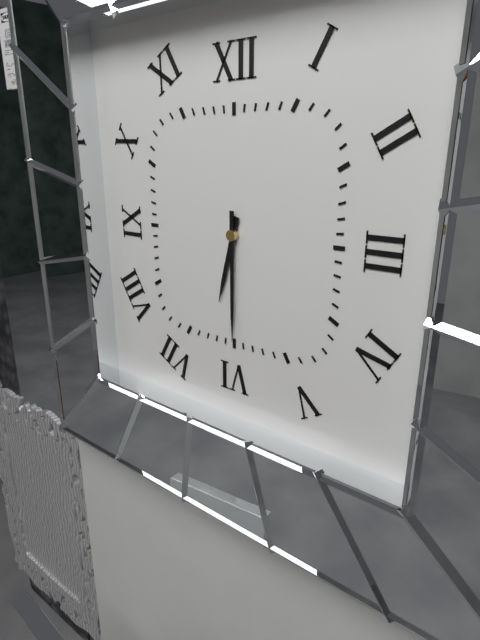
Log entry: h=6 m=30
